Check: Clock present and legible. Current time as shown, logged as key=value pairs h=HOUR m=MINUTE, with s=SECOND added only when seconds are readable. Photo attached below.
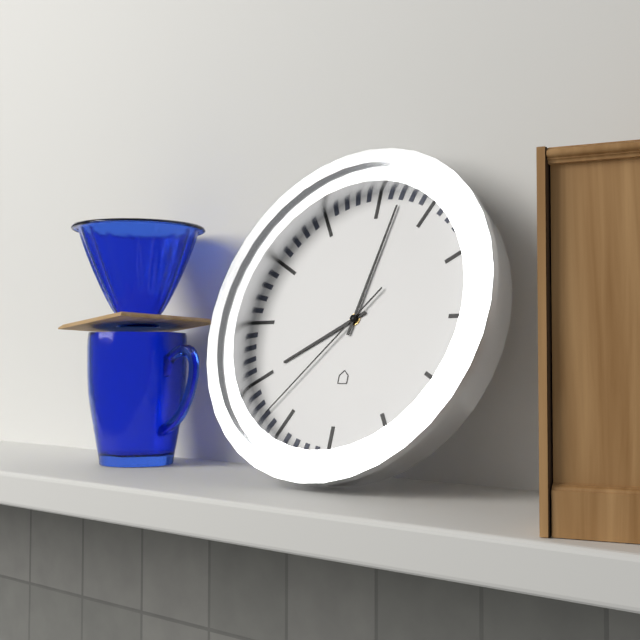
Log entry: h=8 m=2 s=37
